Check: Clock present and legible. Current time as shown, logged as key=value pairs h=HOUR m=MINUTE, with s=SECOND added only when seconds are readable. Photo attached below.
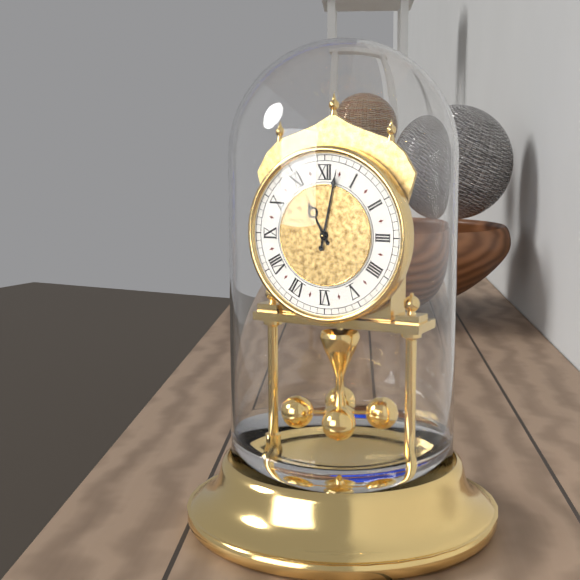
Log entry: h=11 m=2
